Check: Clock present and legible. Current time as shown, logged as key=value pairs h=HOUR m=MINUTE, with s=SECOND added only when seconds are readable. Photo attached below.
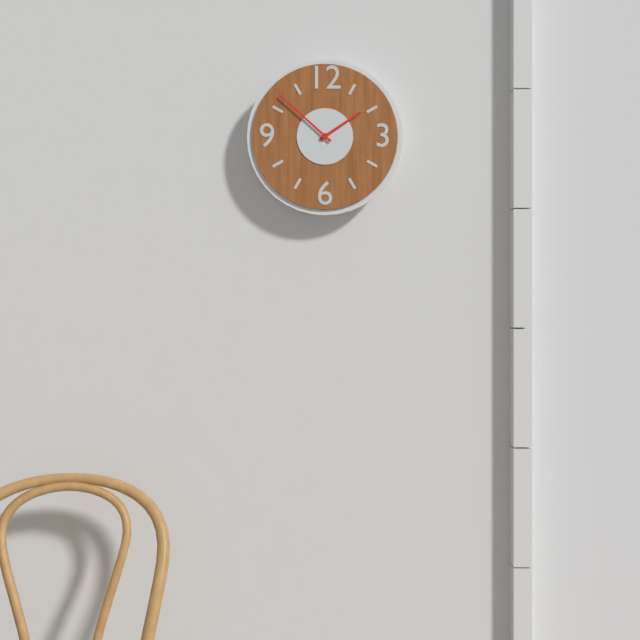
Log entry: h=1 m=52
